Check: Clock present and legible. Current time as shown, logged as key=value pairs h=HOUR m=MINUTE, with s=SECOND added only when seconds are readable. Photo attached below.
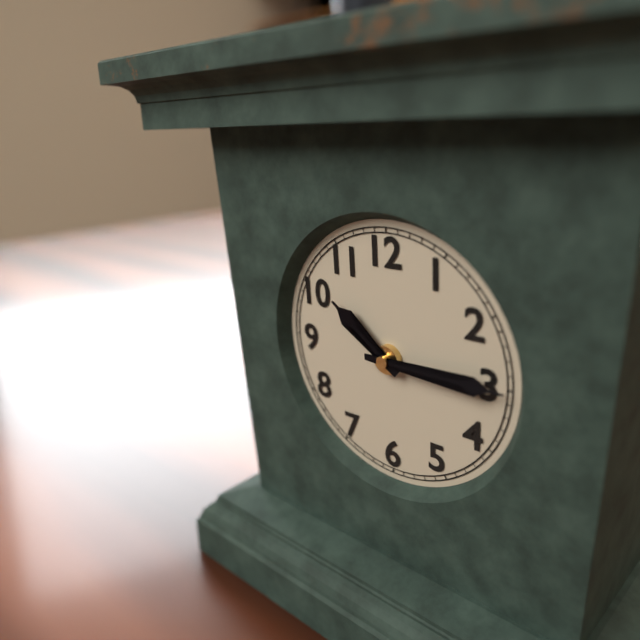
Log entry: h=10 m=15
